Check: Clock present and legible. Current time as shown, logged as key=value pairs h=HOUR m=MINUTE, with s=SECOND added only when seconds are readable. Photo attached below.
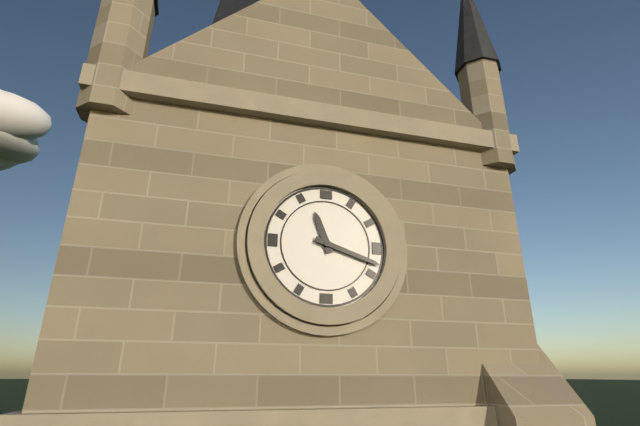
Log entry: h=11 m=18
